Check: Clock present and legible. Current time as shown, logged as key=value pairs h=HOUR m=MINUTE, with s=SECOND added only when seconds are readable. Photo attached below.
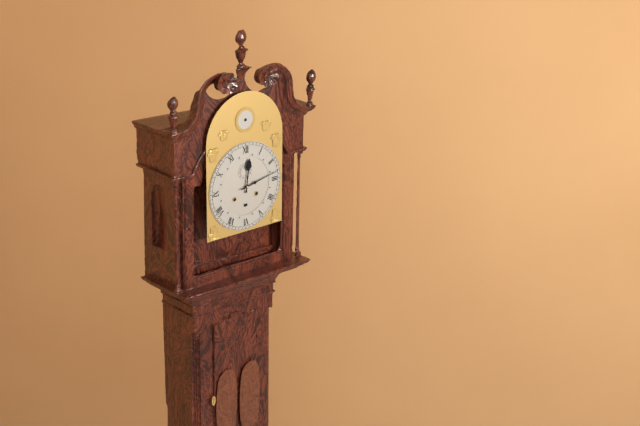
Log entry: h=12 m=13
